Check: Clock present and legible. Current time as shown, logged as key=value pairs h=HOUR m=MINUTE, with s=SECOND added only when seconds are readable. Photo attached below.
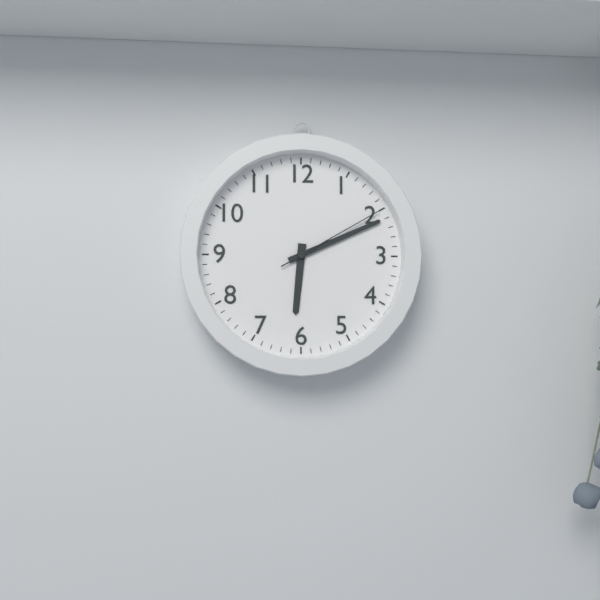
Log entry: h=6 m=11 s=10
